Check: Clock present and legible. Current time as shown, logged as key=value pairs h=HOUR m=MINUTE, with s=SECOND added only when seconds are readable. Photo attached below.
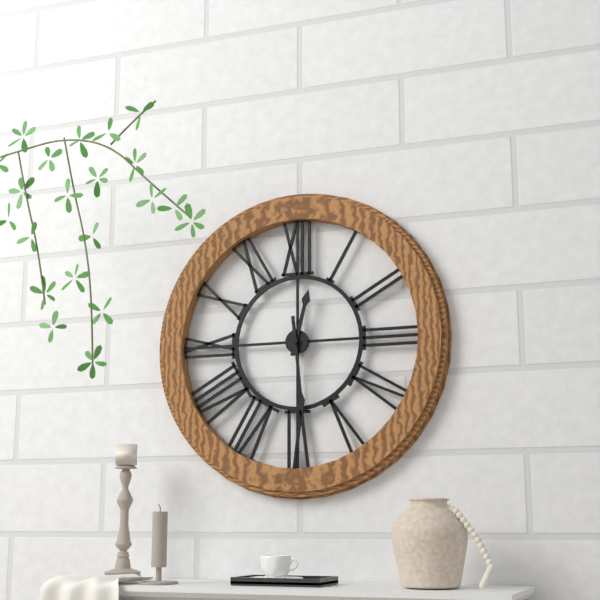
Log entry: h=12 m=29
